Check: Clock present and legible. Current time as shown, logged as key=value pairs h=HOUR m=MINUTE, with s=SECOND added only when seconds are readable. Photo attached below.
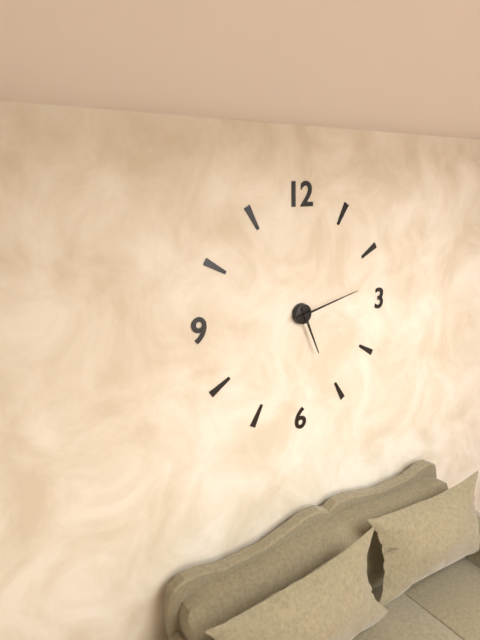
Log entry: h=5 m=13
